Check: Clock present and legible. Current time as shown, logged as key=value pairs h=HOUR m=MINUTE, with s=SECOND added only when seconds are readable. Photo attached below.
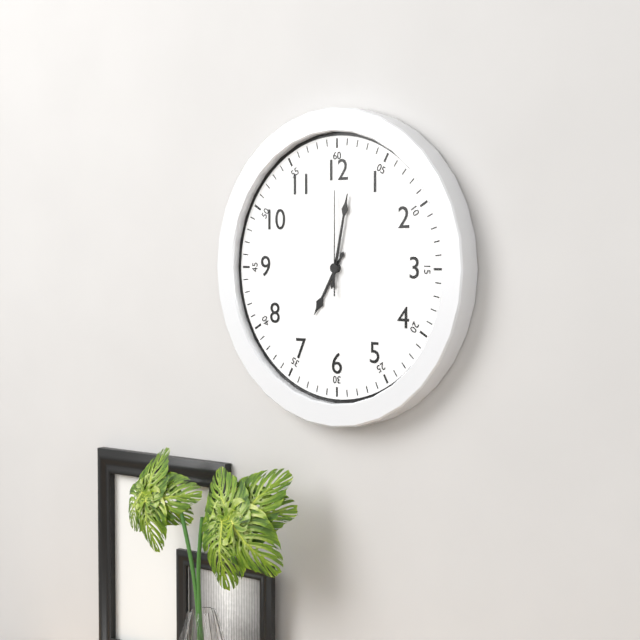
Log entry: h=7 m=2 s=0
